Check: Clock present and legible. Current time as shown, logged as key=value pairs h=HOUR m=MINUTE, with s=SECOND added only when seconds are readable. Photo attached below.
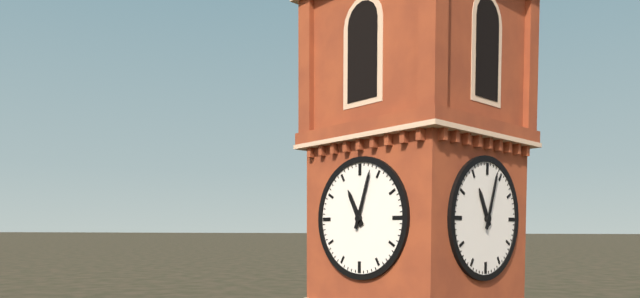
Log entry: h=11 m=3
